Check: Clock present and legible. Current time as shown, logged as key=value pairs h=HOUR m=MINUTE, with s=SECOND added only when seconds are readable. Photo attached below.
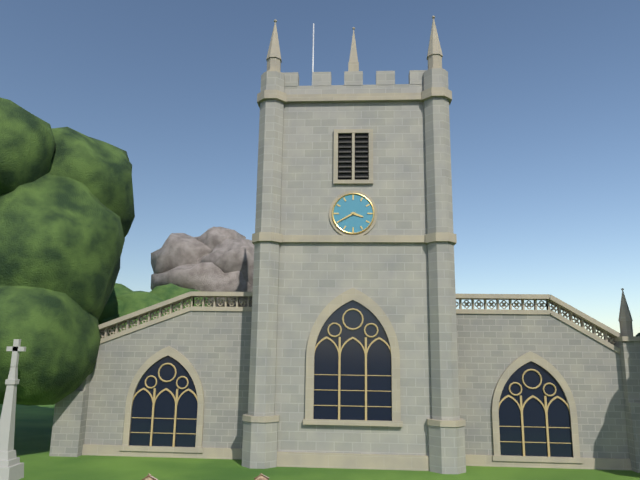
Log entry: h=3 m=40
